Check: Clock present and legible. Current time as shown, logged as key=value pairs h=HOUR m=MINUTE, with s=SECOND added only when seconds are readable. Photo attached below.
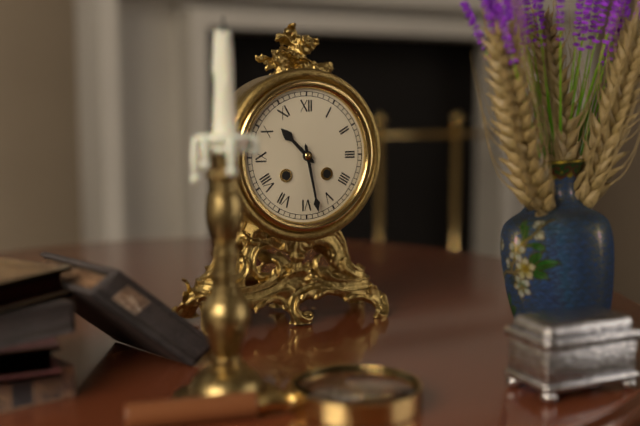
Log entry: h=10 m=28
